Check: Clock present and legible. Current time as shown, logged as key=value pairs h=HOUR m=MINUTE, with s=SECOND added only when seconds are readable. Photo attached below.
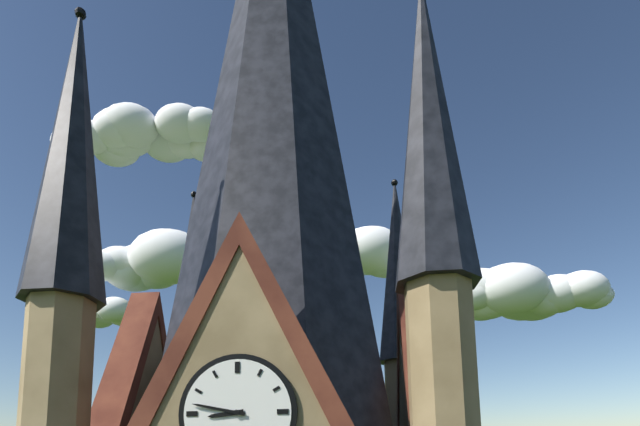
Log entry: h=8 m=47
